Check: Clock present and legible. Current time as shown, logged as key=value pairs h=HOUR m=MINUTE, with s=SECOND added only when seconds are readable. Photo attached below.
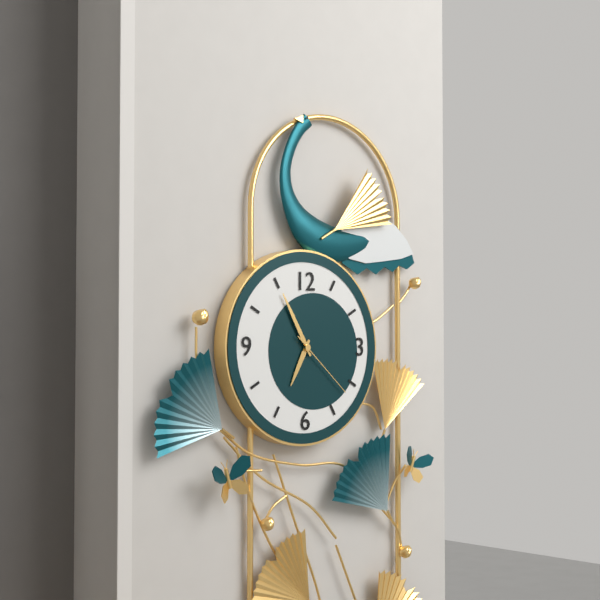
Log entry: h=6 m=55 s=22
